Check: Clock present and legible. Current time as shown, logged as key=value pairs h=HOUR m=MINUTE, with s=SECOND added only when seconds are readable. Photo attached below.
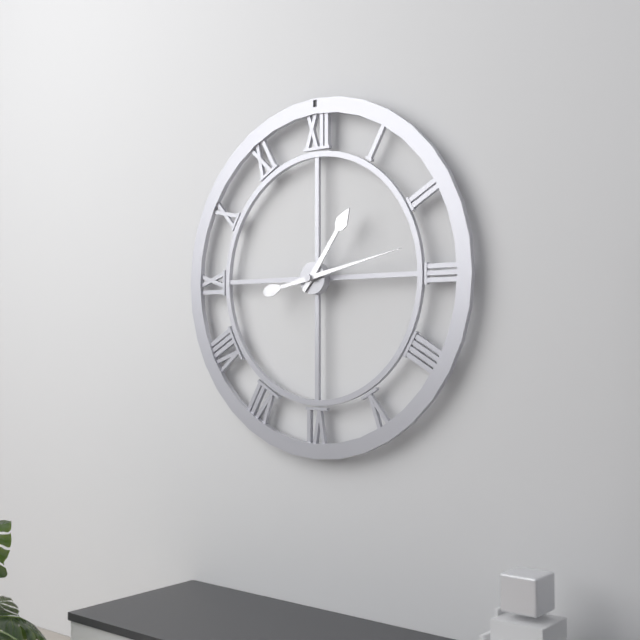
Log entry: h=1 m=13
